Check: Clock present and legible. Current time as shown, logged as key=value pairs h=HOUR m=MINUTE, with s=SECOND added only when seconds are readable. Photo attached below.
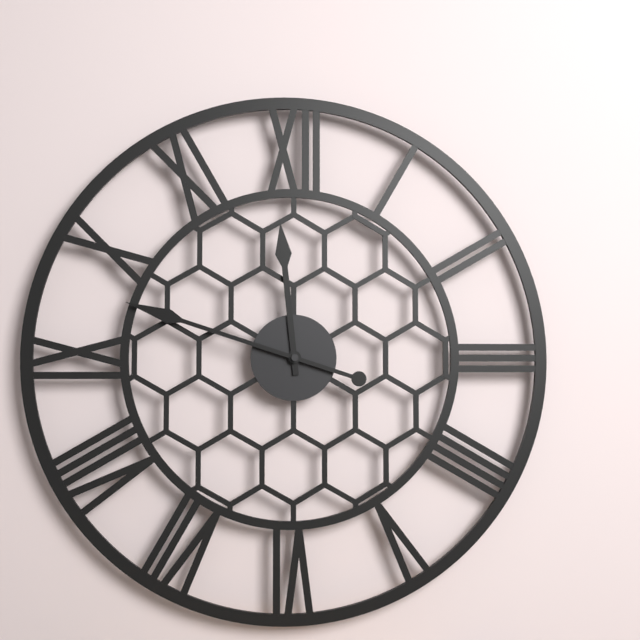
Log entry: h=11 m=48
